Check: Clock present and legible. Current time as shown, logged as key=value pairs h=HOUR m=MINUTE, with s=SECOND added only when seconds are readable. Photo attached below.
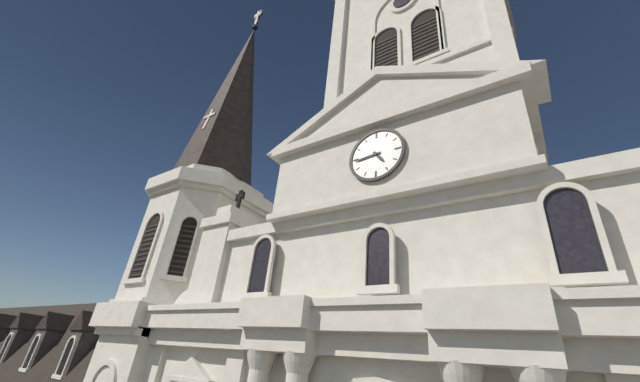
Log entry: h=4 m=44
